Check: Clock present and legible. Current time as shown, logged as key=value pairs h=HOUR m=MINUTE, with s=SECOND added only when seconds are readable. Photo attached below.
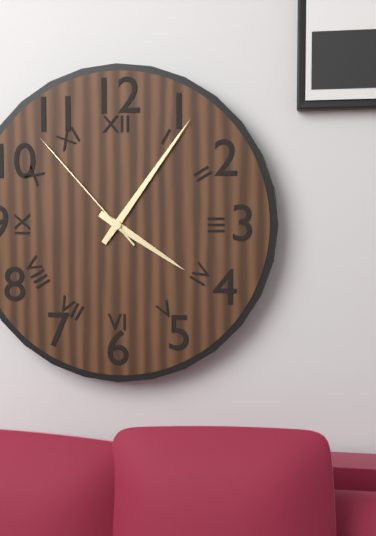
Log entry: h=4 m=6 s=53
